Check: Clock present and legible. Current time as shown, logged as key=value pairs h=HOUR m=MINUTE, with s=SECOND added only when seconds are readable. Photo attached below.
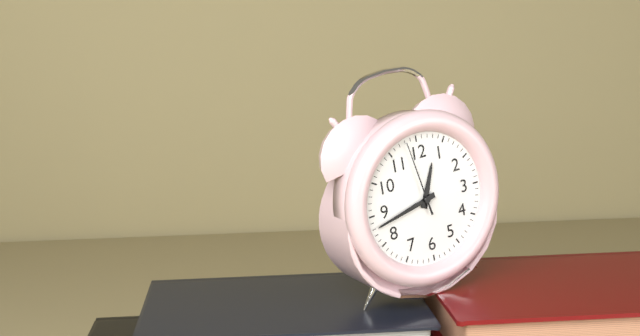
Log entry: h=12 m=43 s=58
